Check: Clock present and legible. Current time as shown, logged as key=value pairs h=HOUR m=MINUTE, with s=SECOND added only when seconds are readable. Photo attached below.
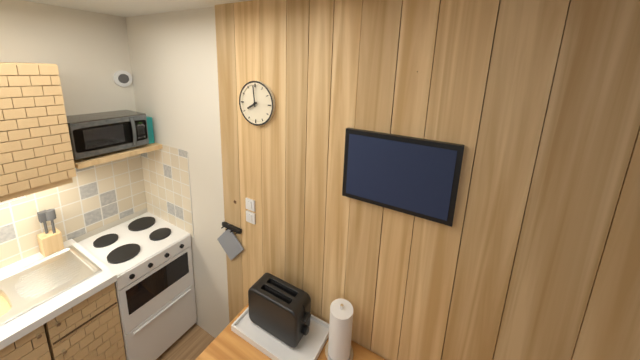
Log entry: h=7 m=59
